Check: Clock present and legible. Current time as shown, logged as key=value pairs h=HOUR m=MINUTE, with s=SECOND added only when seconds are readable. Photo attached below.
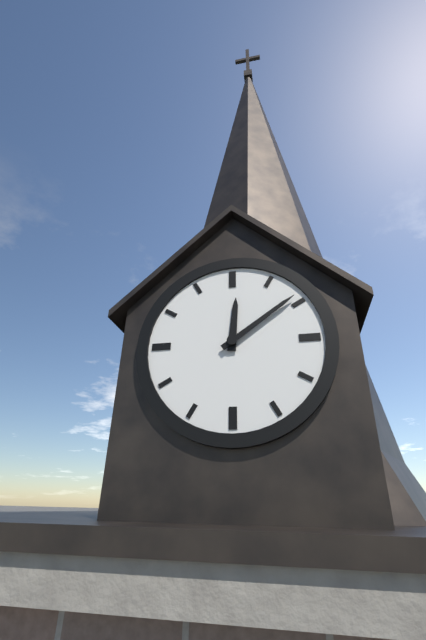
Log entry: h=12 m=9
